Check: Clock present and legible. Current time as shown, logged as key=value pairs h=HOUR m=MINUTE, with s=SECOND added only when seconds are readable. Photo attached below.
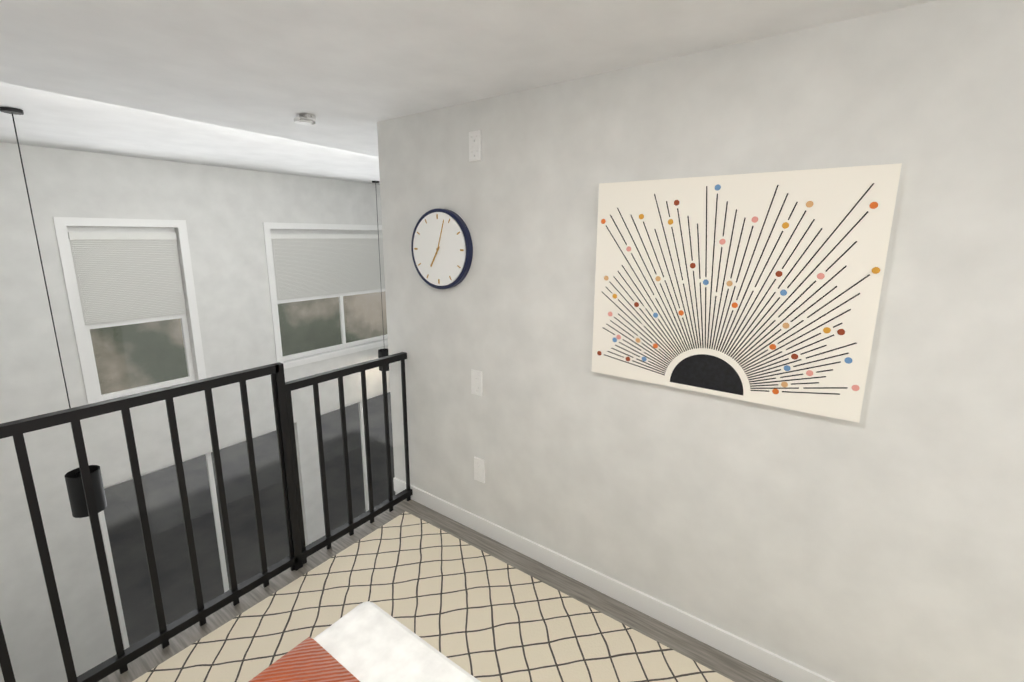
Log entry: h=7 m=3
